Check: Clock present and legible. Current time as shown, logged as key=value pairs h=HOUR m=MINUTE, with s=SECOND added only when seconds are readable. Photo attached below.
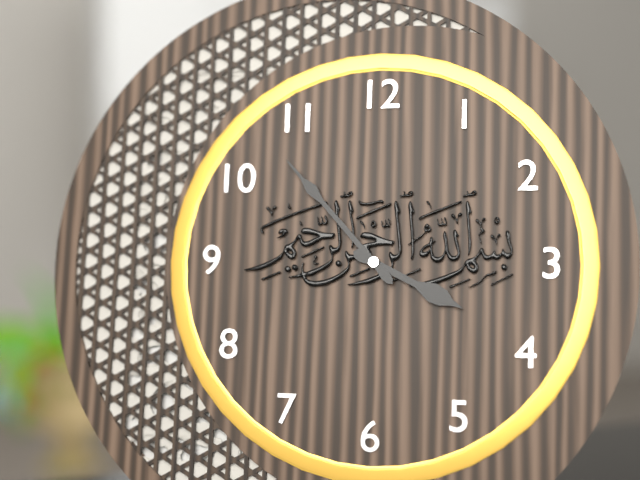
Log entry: h=3 m=53
